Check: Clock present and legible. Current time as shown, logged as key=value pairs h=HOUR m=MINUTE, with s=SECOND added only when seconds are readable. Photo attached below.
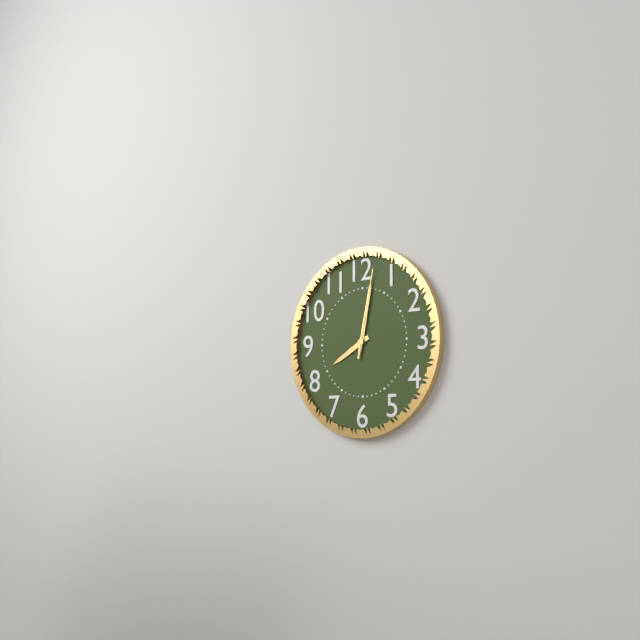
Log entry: h=8 m=2 s=2
